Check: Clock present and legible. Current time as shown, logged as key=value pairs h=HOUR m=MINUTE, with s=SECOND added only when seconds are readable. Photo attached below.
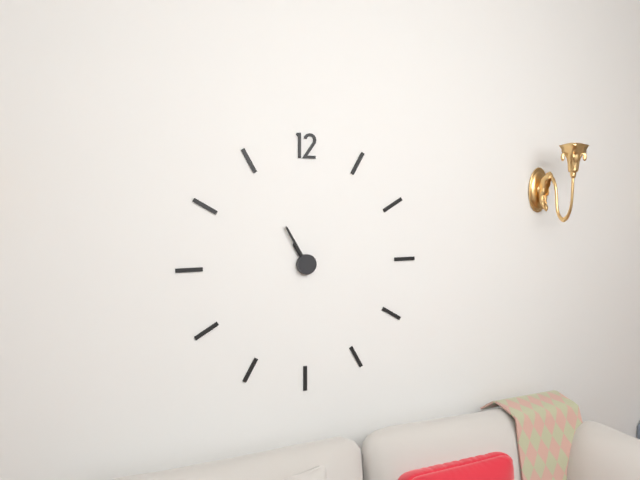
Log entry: h=10 m=55
